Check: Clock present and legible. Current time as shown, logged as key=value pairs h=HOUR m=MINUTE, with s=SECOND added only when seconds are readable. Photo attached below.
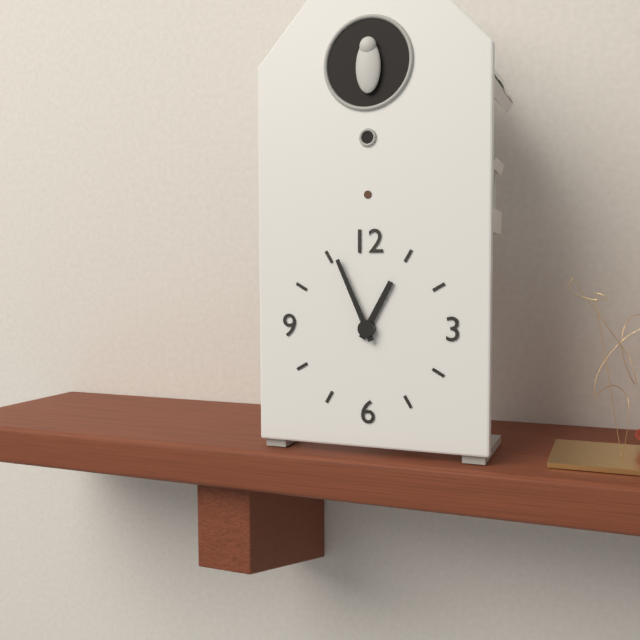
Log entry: h=12 m=56
